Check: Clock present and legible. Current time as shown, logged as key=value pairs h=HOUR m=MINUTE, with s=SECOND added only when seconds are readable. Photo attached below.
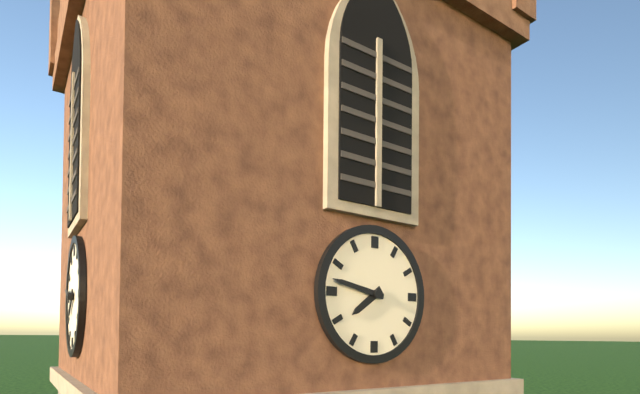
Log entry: h=7 m=47
